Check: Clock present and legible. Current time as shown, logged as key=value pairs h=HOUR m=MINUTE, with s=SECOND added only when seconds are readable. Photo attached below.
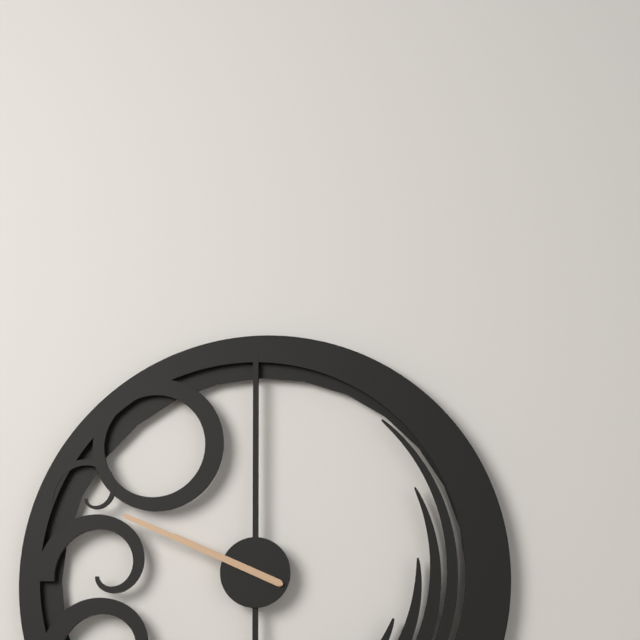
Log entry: h=9 m=49
